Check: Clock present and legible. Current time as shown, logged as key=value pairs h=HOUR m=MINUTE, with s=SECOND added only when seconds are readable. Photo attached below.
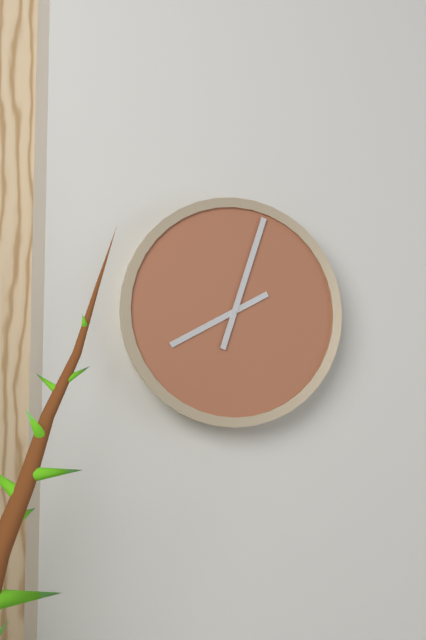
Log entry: h=8 m=3
